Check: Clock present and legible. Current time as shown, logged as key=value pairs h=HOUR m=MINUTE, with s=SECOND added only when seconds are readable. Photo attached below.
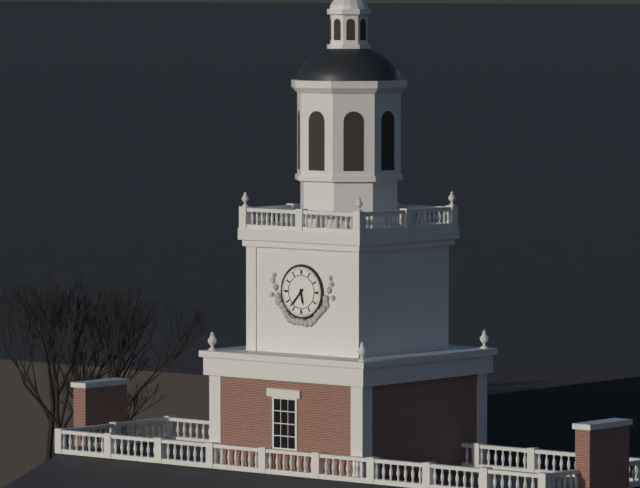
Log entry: h=5 m=37
